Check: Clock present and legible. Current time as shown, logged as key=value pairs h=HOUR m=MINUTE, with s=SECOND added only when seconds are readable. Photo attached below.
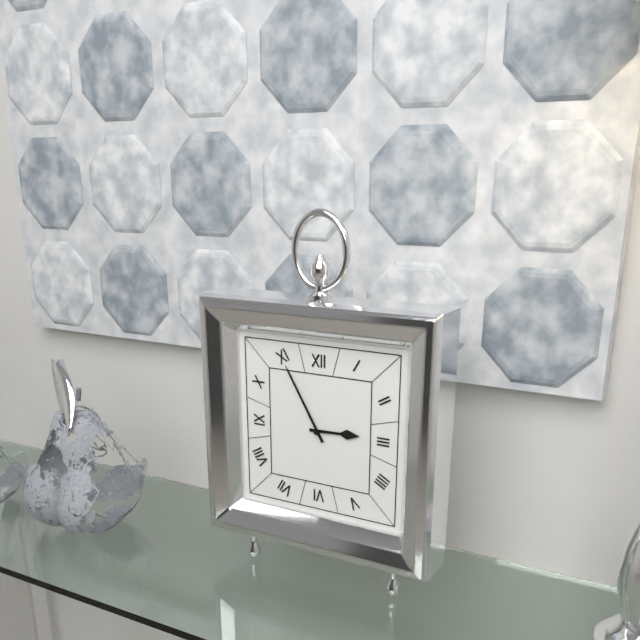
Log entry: h=2 m=55
